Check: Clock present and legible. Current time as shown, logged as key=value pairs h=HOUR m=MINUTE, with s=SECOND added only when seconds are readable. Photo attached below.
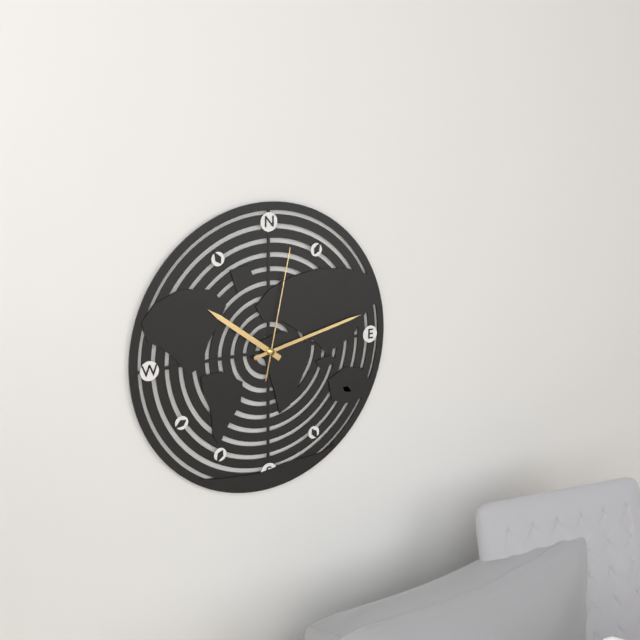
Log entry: h=10 m=13 s=2
